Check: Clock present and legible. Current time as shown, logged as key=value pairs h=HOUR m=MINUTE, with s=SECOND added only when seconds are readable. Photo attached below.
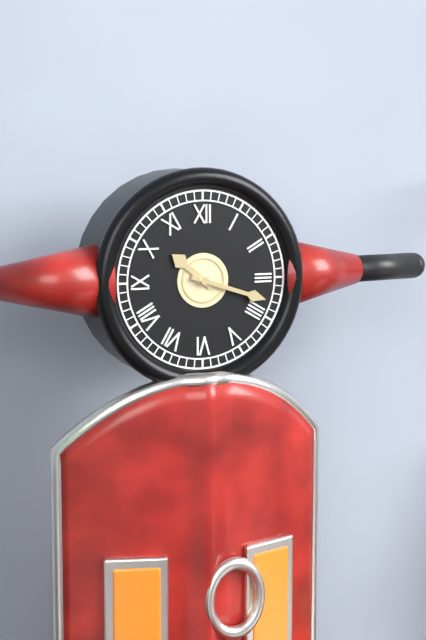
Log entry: h=10 m=18
